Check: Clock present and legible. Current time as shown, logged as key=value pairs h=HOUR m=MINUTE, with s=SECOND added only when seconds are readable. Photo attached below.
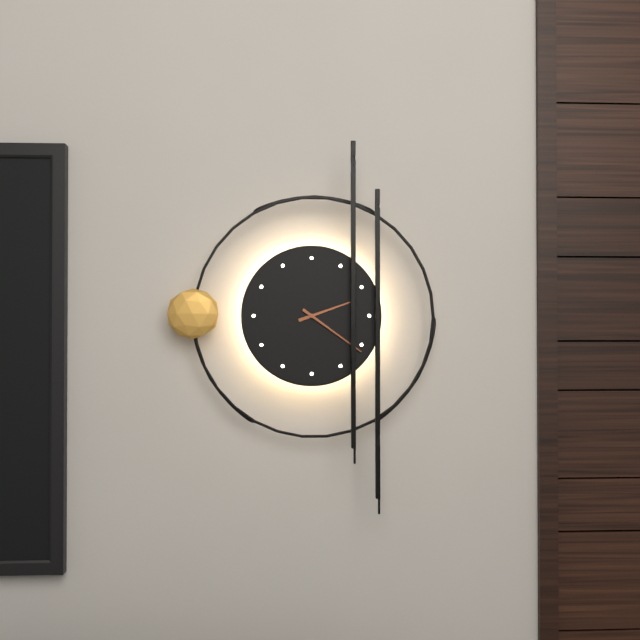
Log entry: h=2 m=21
